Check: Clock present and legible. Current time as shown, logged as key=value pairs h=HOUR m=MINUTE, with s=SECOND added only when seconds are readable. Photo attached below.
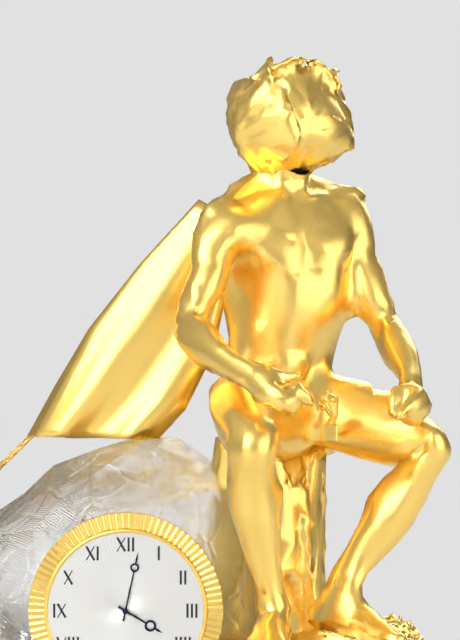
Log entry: h=4 m=2
